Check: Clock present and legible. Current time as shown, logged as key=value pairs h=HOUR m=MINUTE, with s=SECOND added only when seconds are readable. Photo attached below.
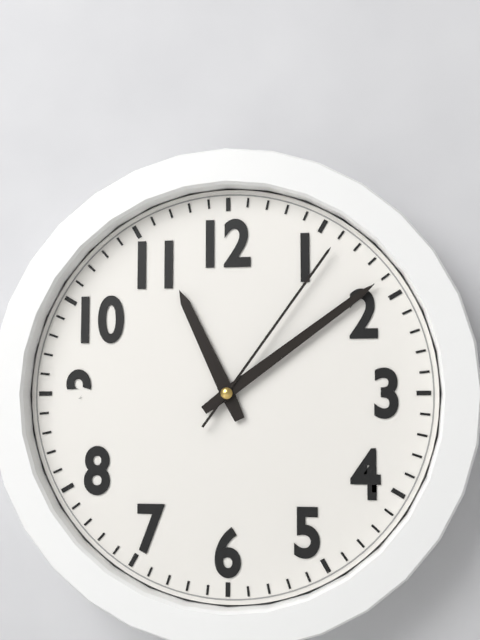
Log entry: h=11 m=9 s=6
